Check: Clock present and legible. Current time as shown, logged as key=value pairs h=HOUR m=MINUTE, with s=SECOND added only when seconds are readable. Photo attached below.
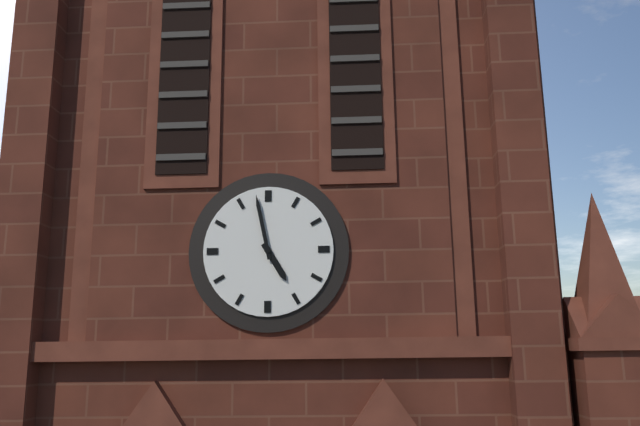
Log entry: h=4 m=58
